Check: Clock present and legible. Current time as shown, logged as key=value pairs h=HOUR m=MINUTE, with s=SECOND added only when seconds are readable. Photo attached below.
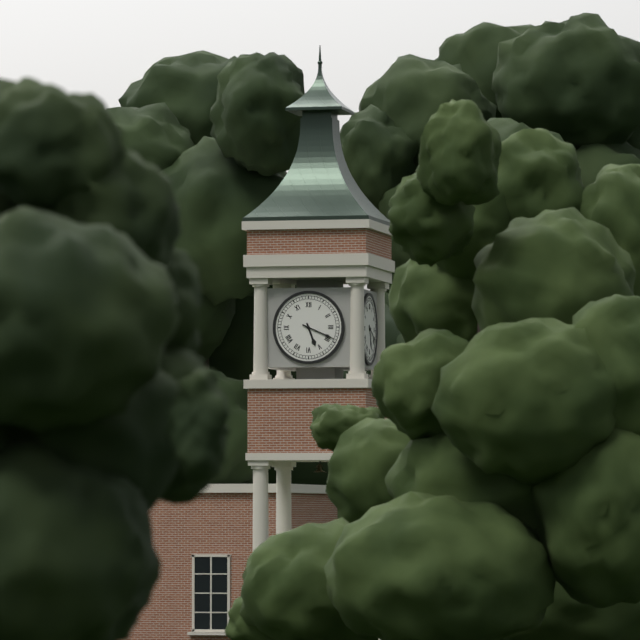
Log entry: h=5 m=19
